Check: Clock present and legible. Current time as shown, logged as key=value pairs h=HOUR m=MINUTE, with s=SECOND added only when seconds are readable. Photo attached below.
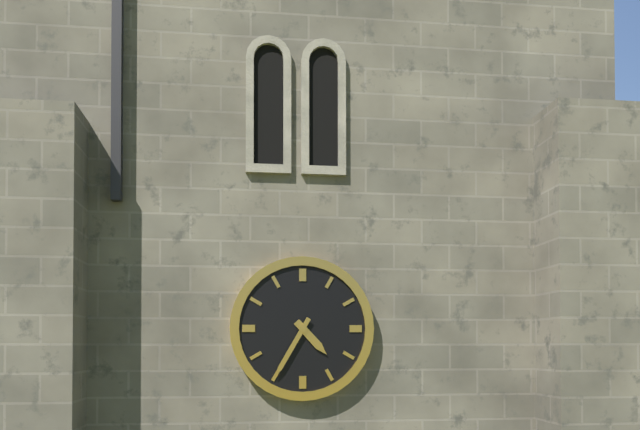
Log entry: h=4 m=35
